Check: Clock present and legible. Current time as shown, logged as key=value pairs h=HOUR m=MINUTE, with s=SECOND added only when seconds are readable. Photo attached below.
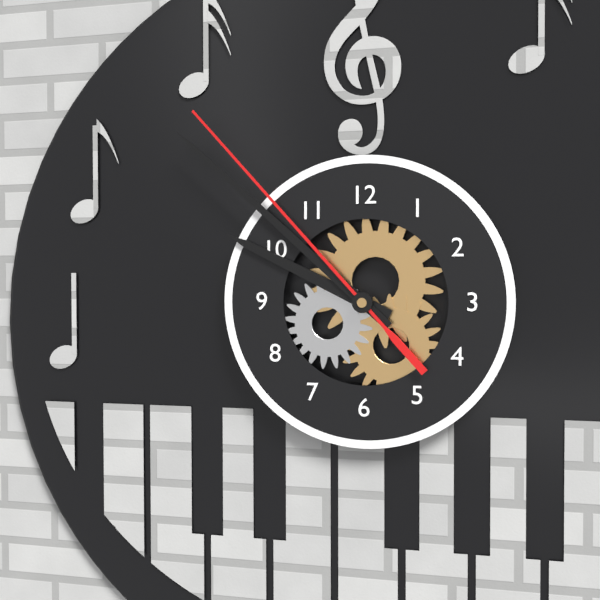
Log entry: h=9 m=52 s=53
